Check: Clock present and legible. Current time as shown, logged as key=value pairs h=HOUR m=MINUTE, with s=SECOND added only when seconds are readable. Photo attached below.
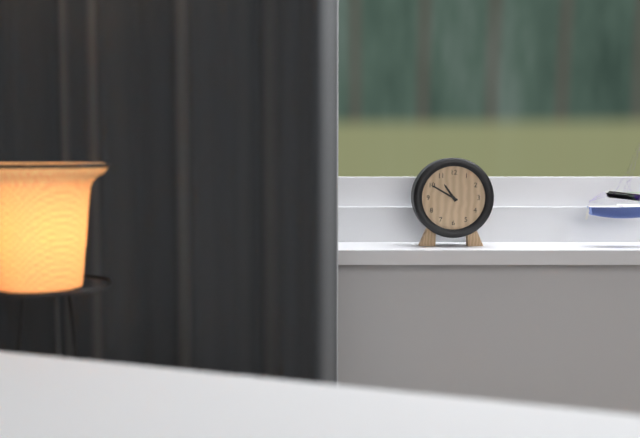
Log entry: h=10 m=50
